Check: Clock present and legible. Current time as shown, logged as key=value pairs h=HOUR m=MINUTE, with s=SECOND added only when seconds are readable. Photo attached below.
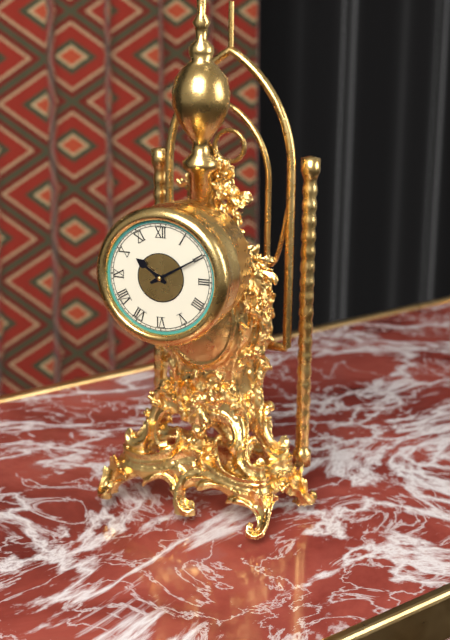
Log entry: h=10 m=10
